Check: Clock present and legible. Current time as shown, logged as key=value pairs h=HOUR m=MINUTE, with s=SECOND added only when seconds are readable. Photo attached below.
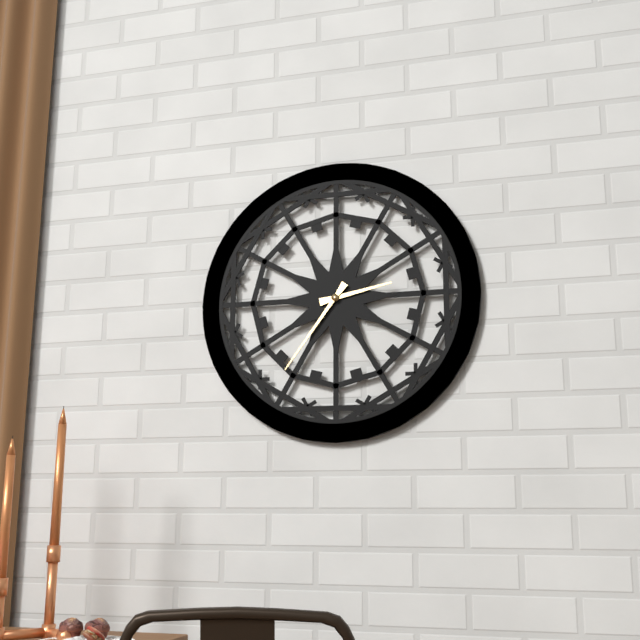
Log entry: h=2 m=36
